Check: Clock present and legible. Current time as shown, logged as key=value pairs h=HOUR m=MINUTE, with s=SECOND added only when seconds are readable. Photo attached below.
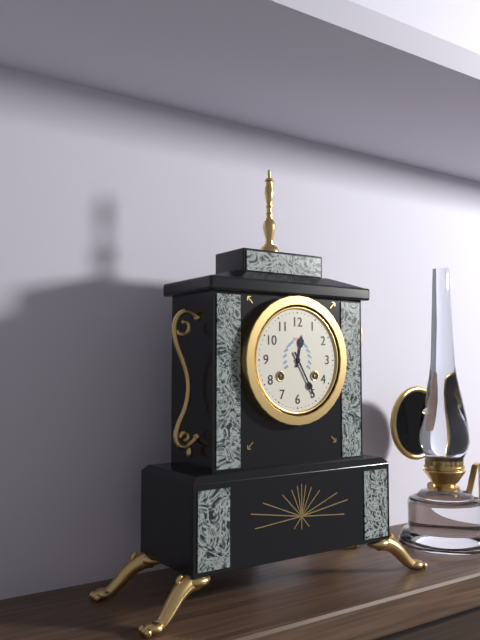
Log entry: h=12 m=25
